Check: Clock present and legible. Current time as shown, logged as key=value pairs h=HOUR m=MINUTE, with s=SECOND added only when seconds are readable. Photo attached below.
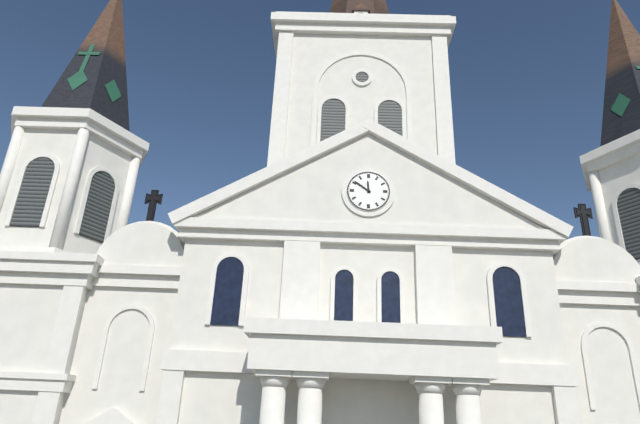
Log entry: h=11 m=51
